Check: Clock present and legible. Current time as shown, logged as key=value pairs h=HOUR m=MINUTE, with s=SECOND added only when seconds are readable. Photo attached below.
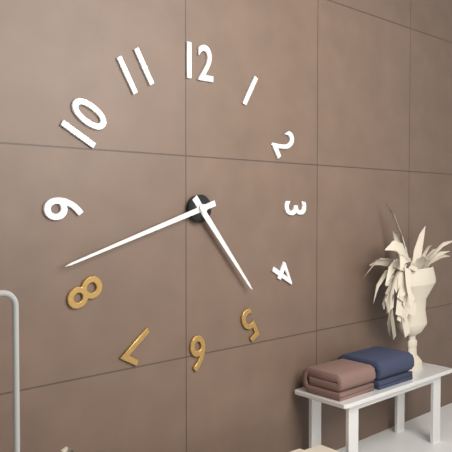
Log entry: h=4 m=42
